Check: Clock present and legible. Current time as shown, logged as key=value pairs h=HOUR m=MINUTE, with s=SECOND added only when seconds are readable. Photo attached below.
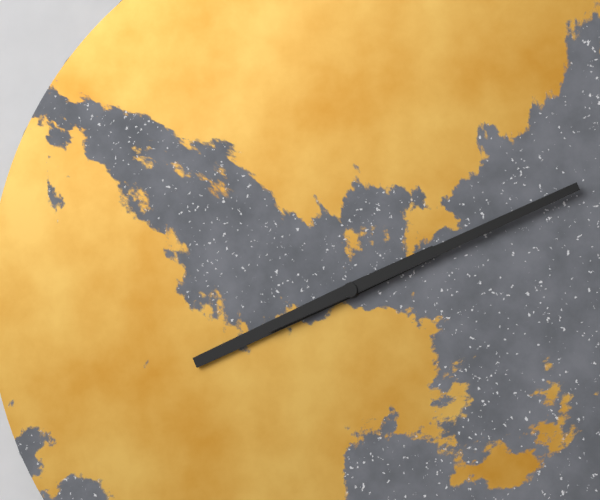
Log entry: h=8 m=11
